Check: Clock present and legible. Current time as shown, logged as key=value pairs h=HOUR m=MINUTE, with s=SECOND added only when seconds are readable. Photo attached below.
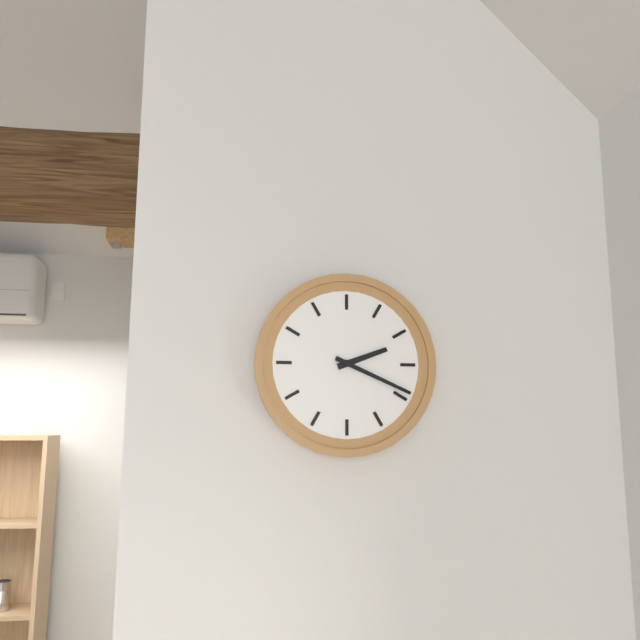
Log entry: h=2 m=19
